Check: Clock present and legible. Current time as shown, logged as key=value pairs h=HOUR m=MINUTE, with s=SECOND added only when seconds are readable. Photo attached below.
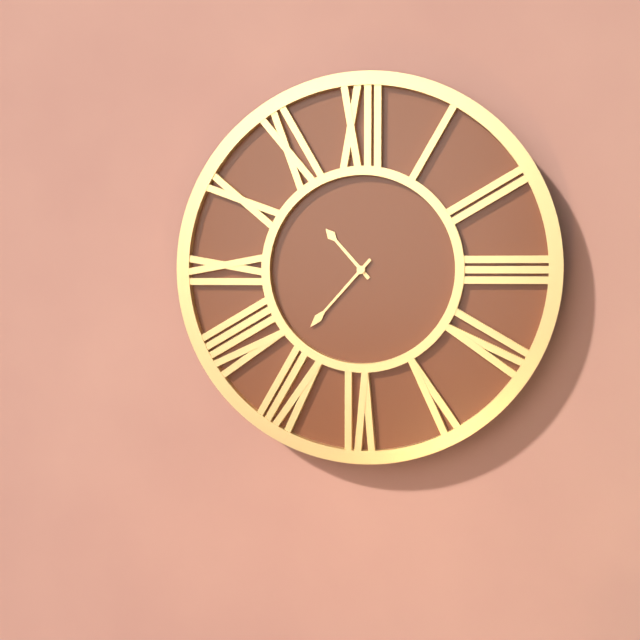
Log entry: h=10 m=37
